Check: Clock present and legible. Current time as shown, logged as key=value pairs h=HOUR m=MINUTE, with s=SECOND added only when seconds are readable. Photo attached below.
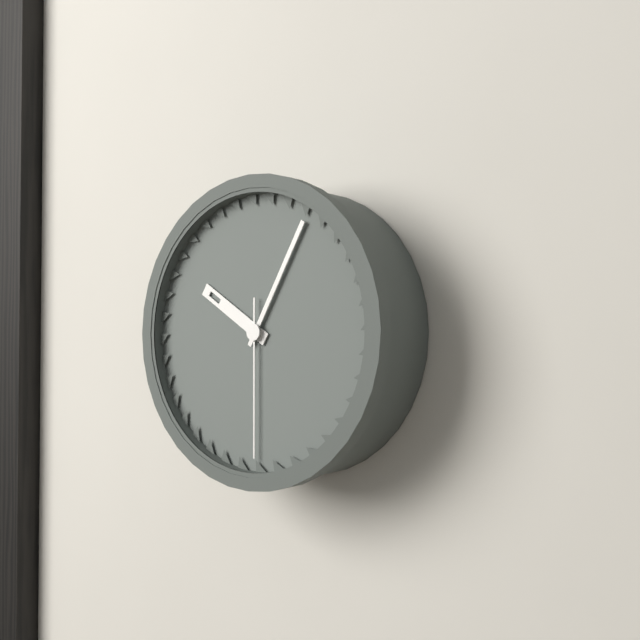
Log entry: h=10 m=5 s=30
